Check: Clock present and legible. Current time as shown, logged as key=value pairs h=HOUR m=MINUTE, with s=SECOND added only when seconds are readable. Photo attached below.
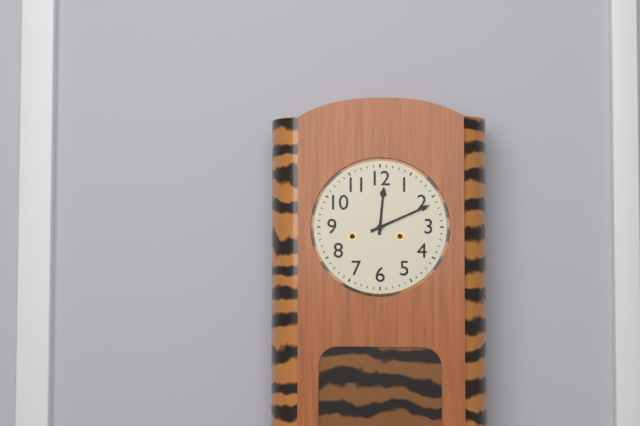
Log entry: h=12 m=11
